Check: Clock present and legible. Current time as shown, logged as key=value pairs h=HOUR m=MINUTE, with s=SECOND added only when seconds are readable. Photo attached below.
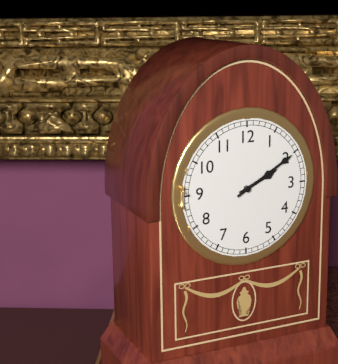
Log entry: h=2 m=10
